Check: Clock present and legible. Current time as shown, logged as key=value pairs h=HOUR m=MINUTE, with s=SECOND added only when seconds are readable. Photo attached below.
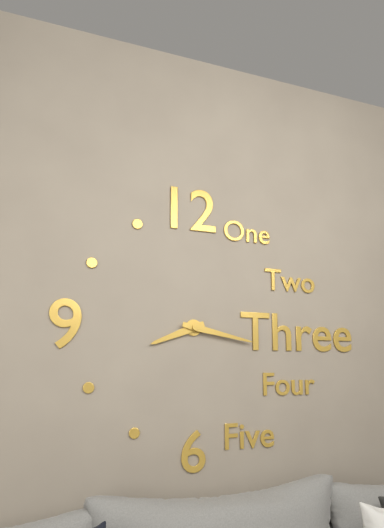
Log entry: h=8 m=17
